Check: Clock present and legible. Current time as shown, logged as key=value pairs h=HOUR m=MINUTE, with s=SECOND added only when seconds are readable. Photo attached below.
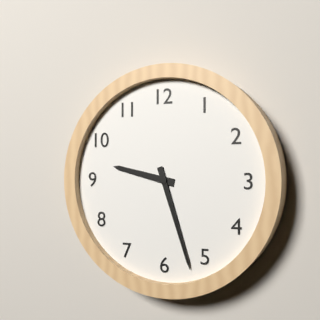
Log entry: h=9 m=27
